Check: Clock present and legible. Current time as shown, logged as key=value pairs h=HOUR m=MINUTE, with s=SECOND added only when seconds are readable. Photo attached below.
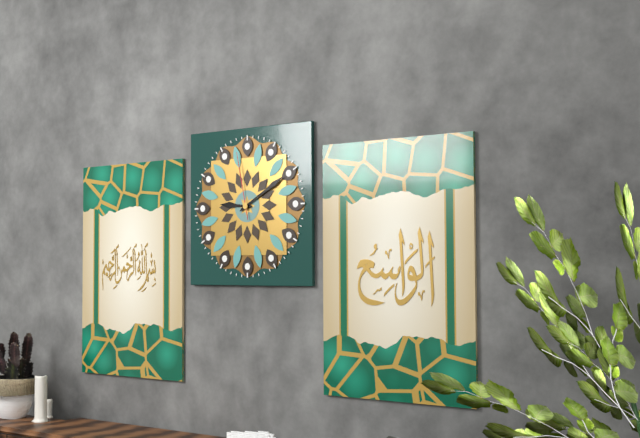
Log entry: h=9 m=10 s=58
